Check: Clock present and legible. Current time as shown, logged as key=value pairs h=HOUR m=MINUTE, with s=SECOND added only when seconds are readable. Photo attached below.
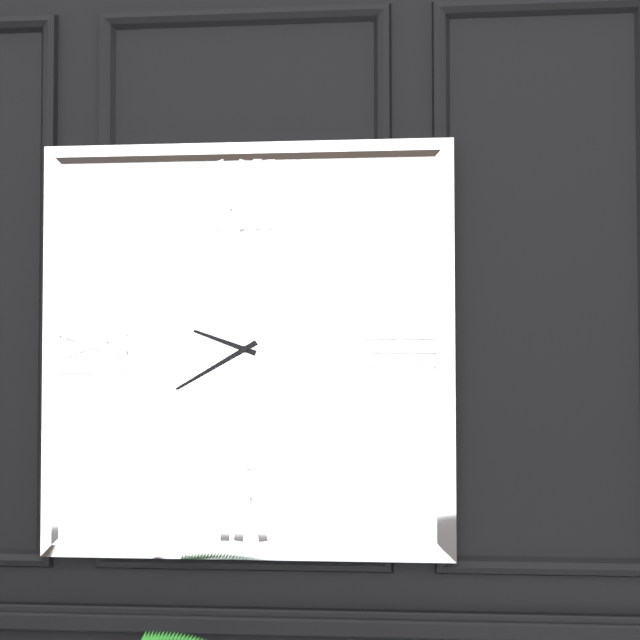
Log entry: h=9 m=40
